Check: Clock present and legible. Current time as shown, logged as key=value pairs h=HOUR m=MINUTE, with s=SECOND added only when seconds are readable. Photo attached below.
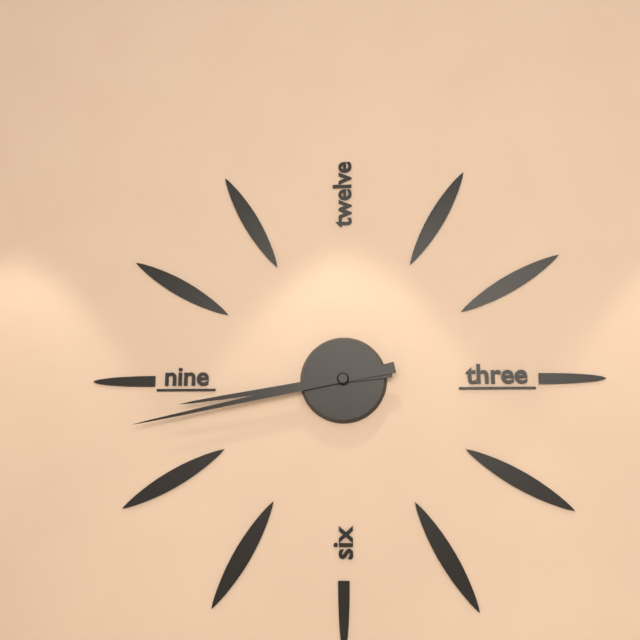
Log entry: h=8 m=43
